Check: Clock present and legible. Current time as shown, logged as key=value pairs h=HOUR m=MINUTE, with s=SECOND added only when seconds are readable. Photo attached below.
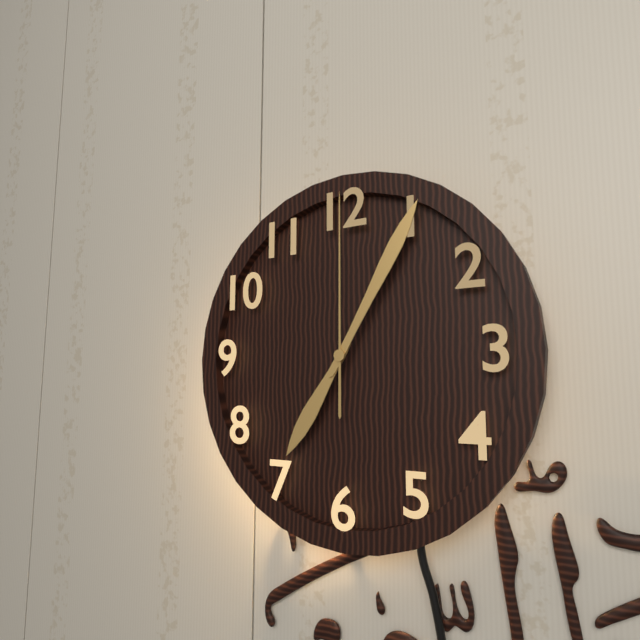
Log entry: h=7 m=5 s=0
